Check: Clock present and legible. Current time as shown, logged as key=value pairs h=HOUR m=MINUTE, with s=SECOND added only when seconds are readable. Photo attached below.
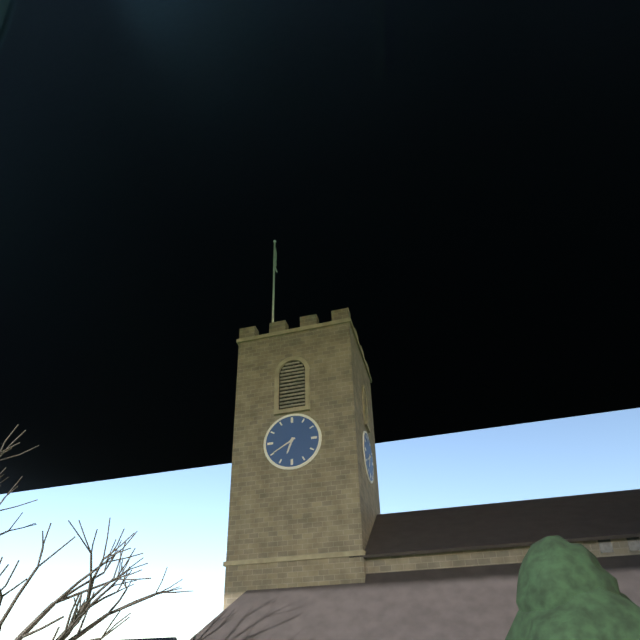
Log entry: h=6 m=40
